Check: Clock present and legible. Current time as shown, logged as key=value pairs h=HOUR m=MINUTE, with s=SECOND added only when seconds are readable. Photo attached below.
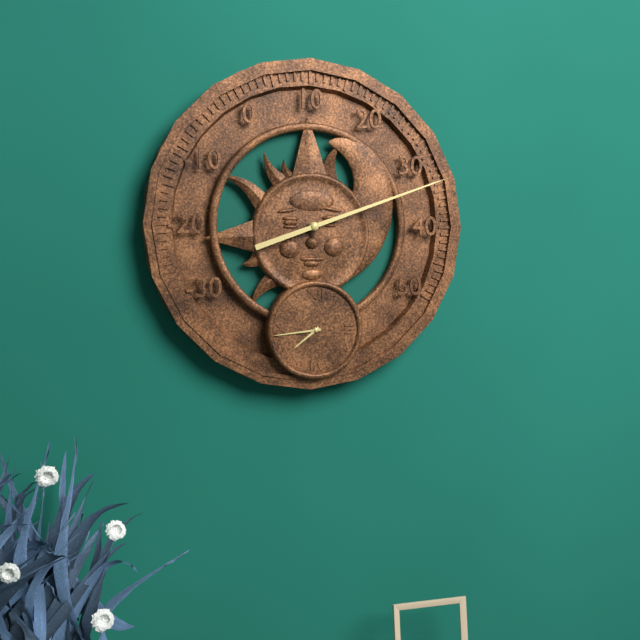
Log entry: h=7 m=44
